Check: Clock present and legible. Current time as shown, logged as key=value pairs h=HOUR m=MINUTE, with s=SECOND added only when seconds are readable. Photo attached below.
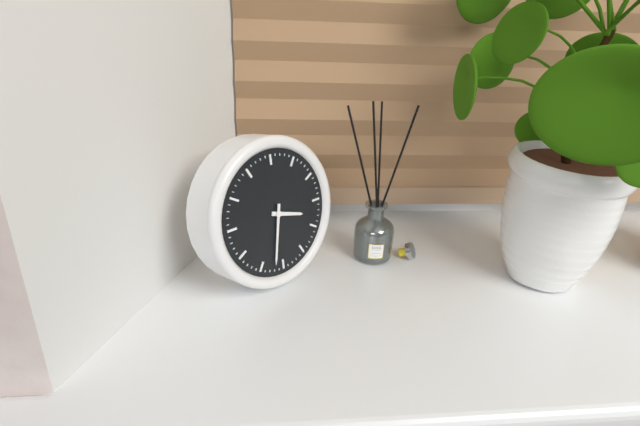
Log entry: h=3 m=32
